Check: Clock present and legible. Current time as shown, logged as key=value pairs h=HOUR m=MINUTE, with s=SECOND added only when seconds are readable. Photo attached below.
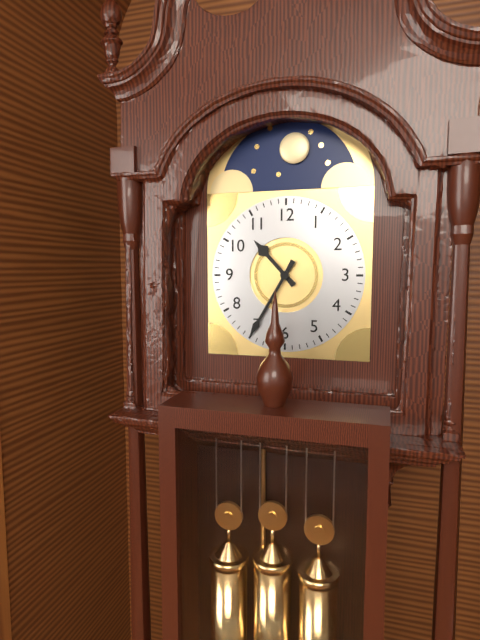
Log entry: h=10 m=35
